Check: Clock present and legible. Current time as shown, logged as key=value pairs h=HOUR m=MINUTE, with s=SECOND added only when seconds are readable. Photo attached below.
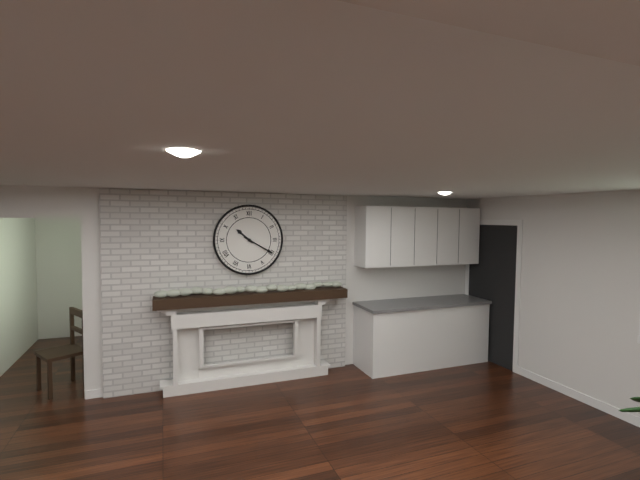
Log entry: h=10 m=20
